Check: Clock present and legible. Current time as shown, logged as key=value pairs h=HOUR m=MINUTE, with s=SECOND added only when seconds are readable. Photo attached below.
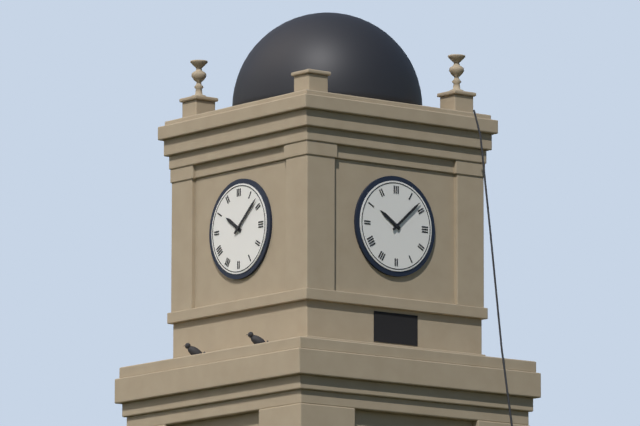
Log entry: h=10 m=8
